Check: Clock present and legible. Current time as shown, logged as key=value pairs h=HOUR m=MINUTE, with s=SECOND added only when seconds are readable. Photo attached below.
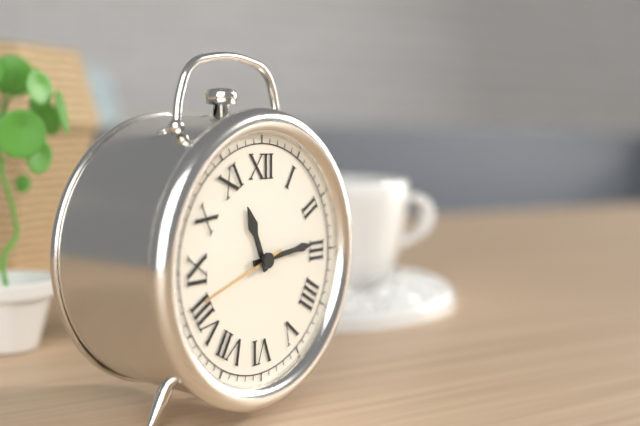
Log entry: h=11 m=14 s=42
